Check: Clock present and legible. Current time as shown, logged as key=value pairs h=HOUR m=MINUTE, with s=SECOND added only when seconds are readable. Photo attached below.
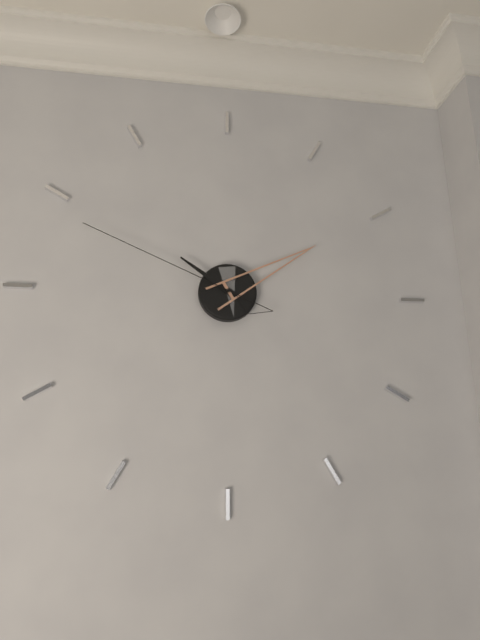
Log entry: h=10 m=10 s=49
